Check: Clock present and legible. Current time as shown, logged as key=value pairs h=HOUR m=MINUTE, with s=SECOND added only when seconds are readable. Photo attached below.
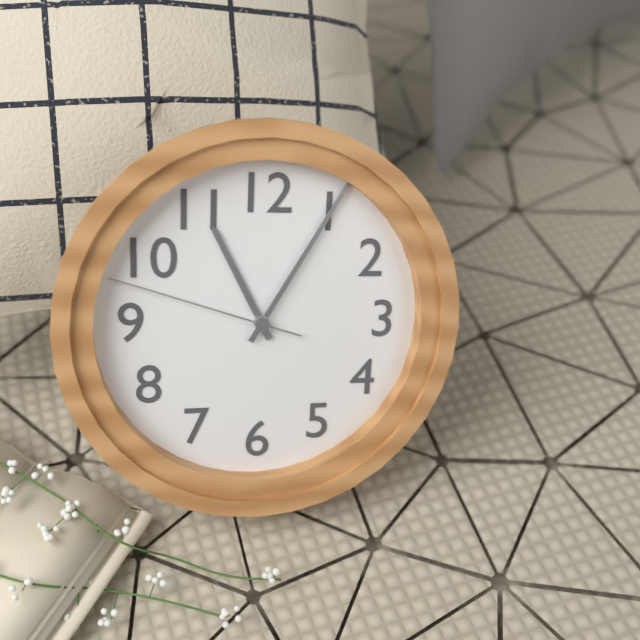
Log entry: h=11 m=5 s=48
